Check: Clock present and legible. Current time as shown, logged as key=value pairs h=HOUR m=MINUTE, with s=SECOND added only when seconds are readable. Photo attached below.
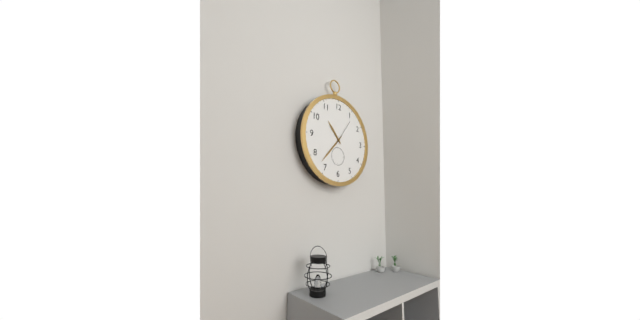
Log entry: h=10 m=37
